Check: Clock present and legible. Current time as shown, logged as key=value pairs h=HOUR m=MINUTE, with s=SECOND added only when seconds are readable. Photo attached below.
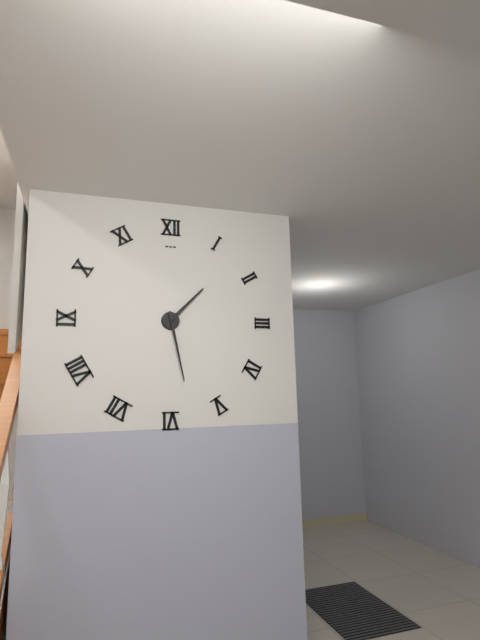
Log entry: h=1 m=28
